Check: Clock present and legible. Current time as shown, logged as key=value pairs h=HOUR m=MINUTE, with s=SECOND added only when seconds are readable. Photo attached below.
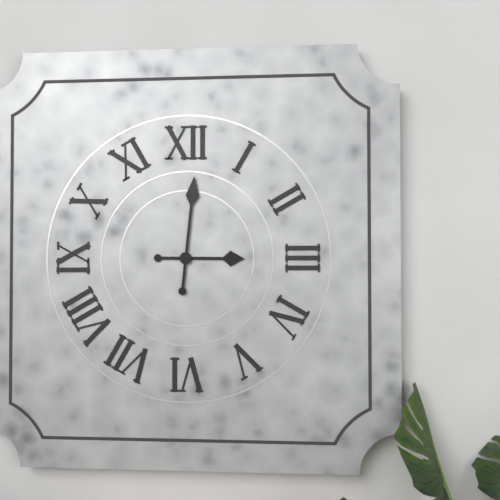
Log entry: h=3 m=1
